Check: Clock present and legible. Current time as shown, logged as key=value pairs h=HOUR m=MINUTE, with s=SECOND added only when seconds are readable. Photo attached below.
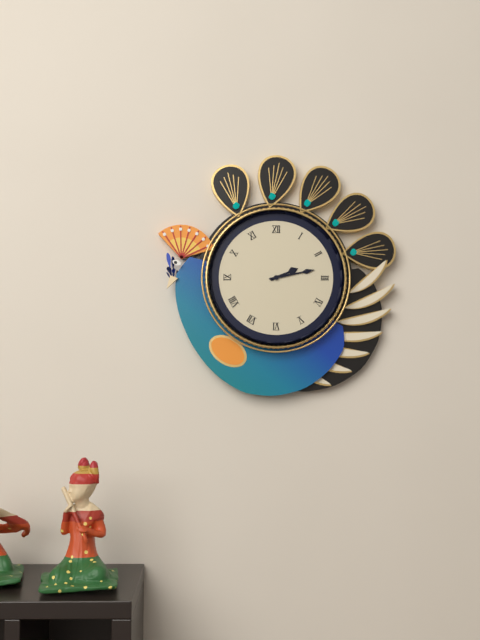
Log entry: h=2 m=13
